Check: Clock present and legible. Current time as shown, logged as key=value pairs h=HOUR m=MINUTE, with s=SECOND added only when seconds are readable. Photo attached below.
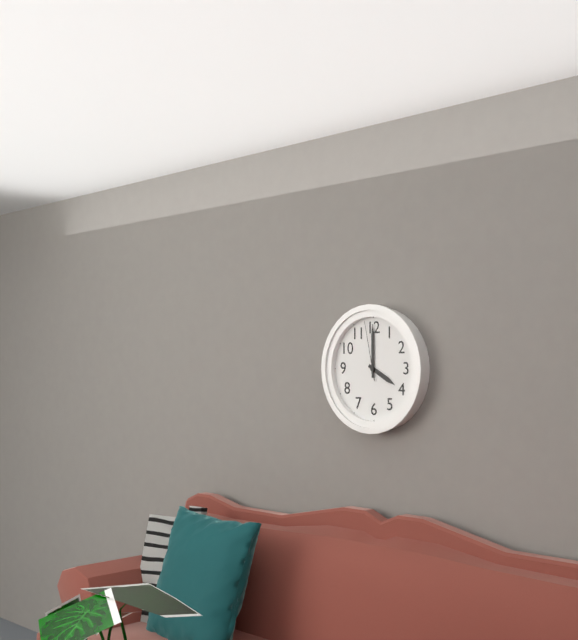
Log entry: h=4 m=0 s=58
